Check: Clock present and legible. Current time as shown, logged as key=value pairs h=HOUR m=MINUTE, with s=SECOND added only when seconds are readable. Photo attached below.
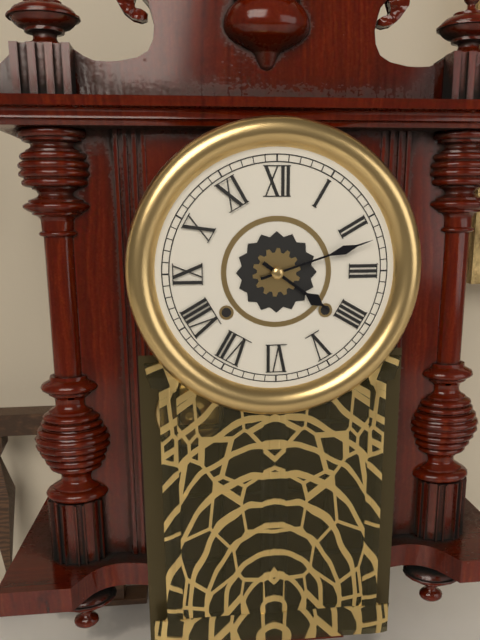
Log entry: h=4 m=12
